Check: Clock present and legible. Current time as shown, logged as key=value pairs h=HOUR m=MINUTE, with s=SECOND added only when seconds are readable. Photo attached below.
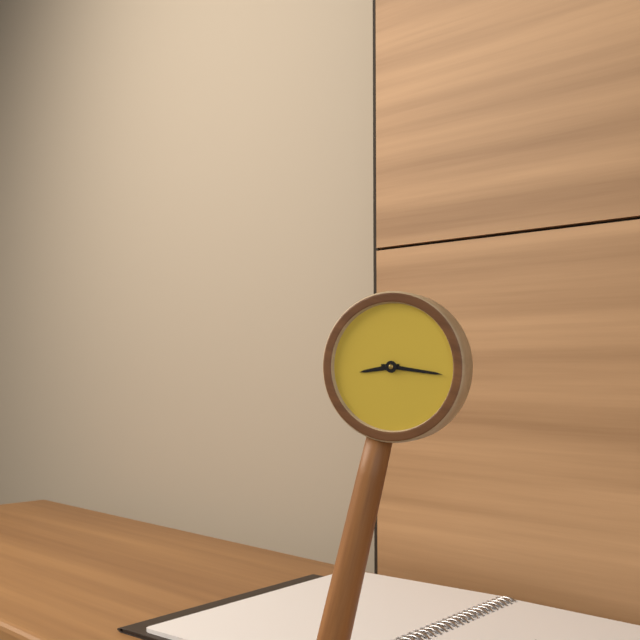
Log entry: h=8 m=14
